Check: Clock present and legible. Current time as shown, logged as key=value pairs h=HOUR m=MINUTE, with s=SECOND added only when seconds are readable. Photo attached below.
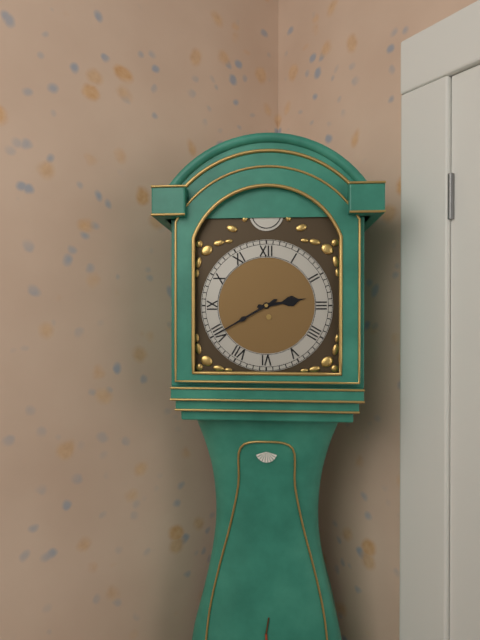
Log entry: h=2 m=40
